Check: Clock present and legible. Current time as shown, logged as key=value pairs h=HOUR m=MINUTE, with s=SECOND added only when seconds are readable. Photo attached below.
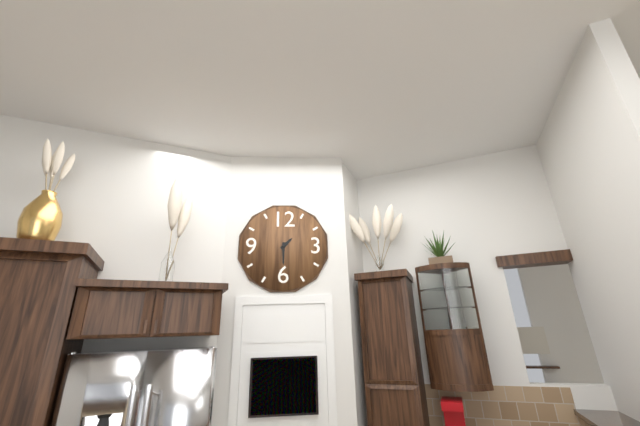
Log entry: h=1 m=30
